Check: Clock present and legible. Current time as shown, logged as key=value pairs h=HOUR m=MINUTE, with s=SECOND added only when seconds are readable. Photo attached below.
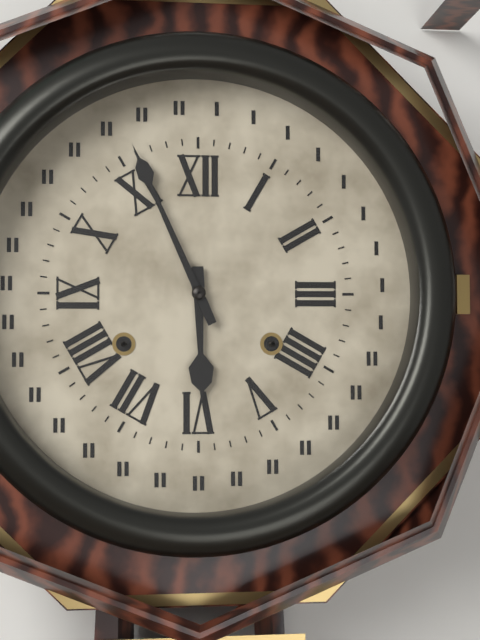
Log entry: h=5 m=56
